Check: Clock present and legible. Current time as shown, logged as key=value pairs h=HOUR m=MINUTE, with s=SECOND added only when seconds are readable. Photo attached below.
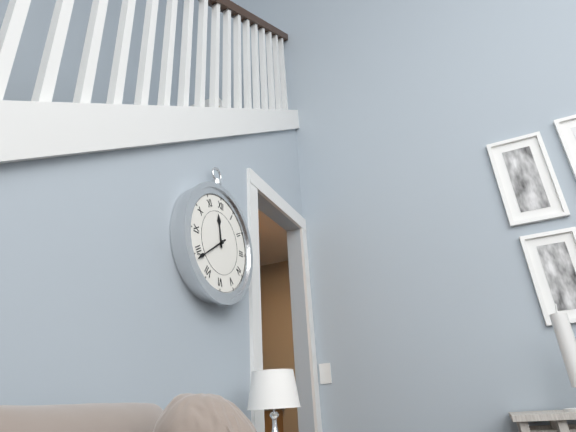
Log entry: h=11 m=39
